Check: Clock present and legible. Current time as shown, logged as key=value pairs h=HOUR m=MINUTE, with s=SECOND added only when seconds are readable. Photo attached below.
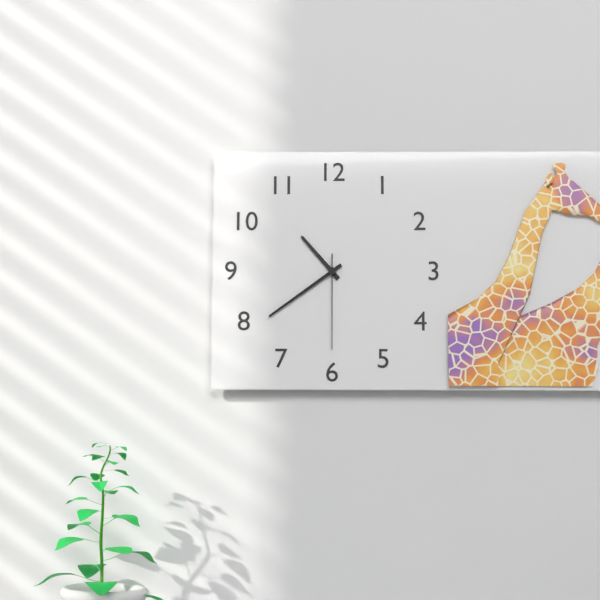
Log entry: h=10 m=39 s=30
